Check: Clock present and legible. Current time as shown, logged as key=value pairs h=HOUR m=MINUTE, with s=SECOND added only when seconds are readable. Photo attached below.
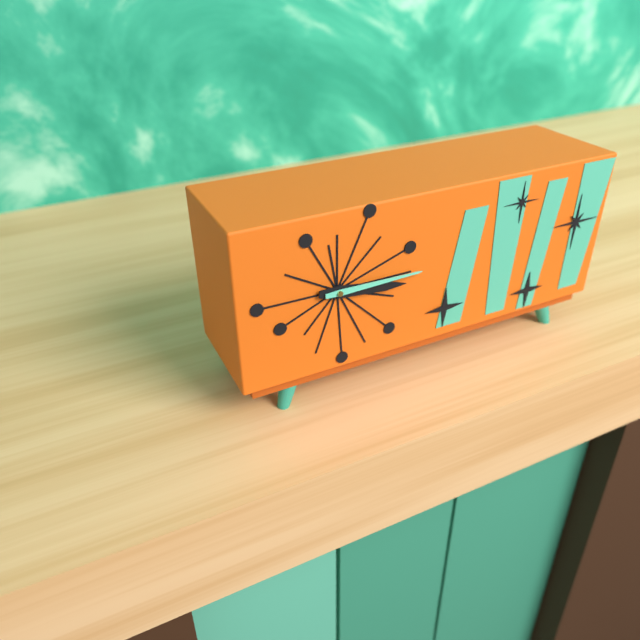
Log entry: h=3 m=15
